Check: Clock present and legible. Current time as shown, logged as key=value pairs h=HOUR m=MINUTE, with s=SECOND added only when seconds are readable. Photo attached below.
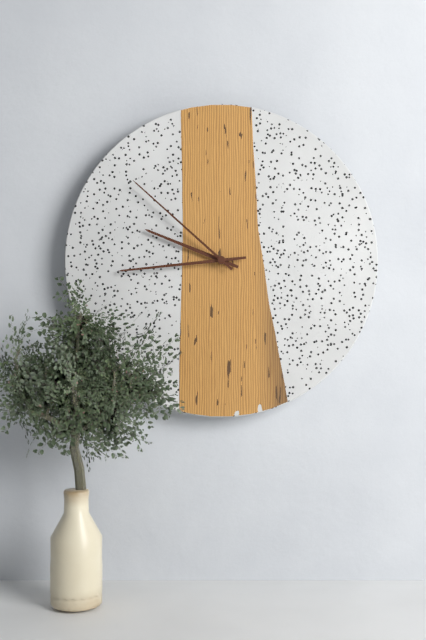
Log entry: h=9 m=44 s=52
